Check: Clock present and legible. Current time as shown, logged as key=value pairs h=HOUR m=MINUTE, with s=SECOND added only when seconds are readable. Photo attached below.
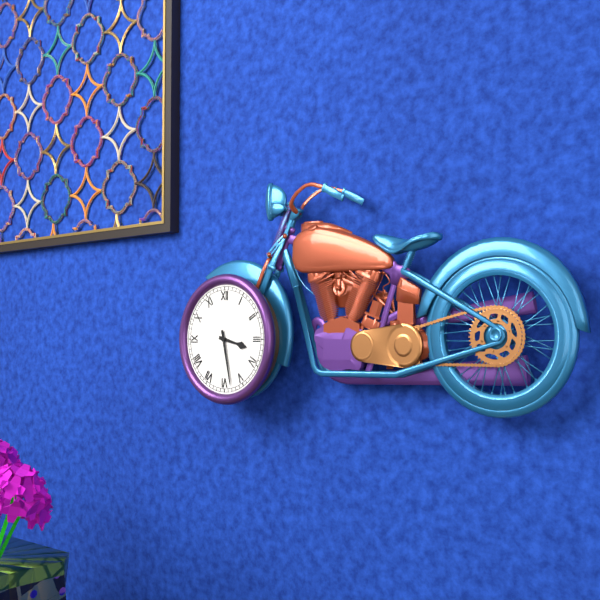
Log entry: h=3 m=28
